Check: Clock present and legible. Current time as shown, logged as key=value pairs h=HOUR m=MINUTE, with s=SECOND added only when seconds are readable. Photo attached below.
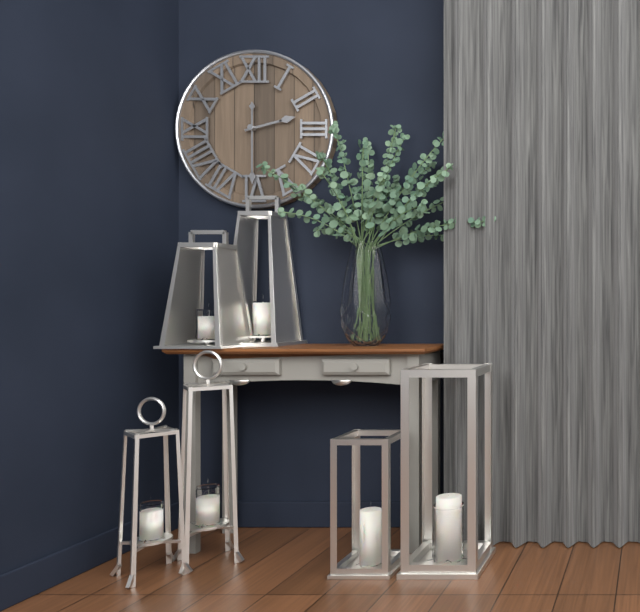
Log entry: h=2 m=30
